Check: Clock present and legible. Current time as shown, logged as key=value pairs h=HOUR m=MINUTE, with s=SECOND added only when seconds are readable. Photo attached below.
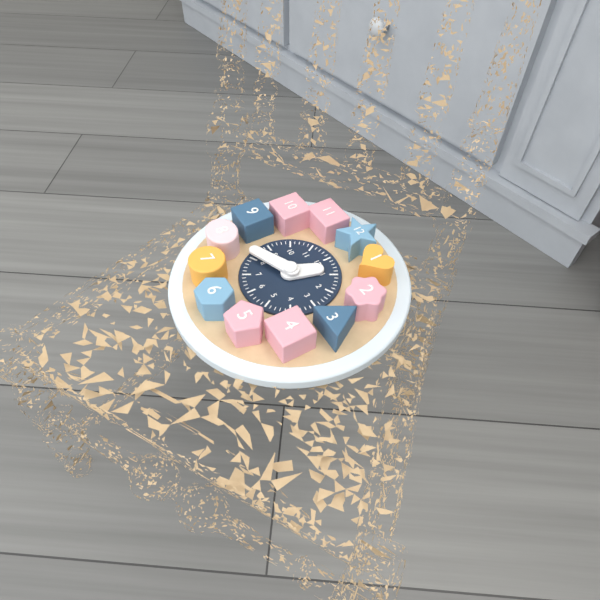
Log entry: h=12 m=41
